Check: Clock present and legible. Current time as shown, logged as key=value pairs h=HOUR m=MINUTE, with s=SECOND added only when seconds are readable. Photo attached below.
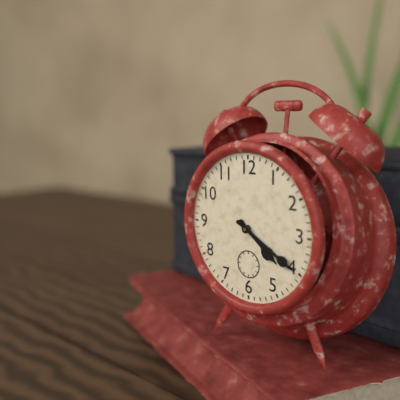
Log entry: h=4 m=20
